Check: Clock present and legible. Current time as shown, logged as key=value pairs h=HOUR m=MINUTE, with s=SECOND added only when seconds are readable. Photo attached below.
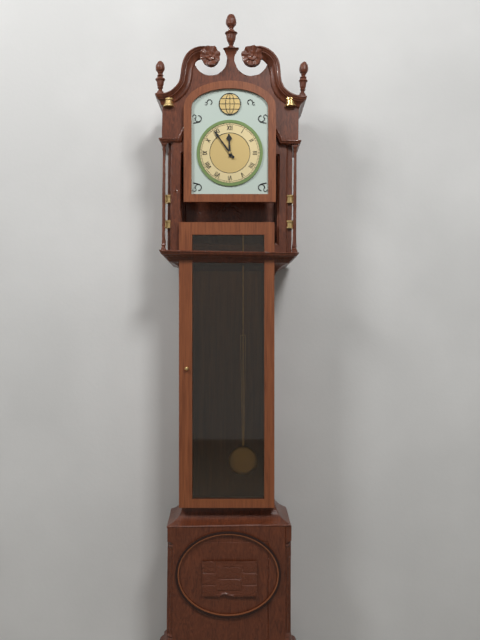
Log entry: h=11 m=54
